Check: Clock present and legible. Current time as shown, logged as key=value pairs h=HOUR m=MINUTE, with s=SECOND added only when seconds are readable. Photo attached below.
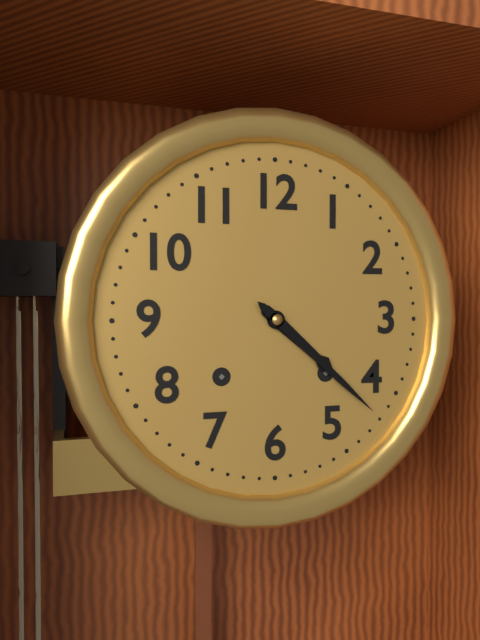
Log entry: h=4 m=22
